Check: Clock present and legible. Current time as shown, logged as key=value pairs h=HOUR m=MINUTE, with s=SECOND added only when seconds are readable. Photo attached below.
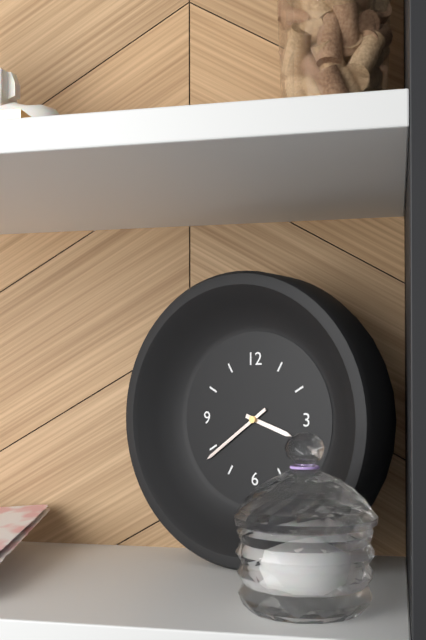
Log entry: h=3 m=39
